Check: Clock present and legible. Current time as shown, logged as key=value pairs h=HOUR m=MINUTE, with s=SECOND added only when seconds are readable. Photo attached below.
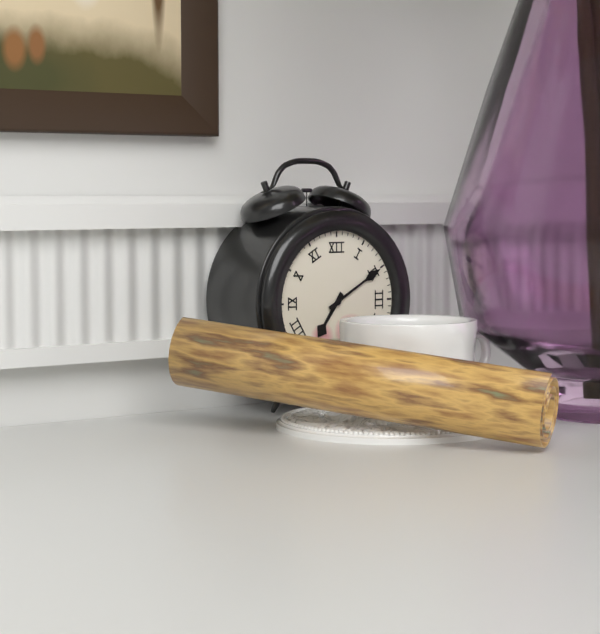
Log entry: h=7 m=10
